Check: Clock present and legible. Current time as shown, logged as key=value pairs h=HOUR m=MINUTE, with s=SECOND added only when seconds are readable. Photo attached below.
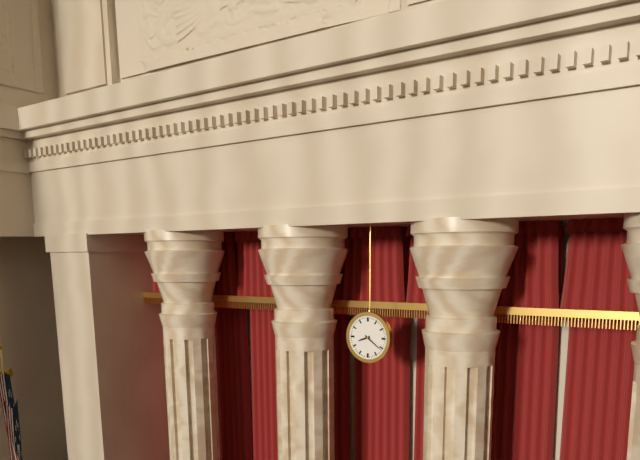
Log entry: h=8 m=21
